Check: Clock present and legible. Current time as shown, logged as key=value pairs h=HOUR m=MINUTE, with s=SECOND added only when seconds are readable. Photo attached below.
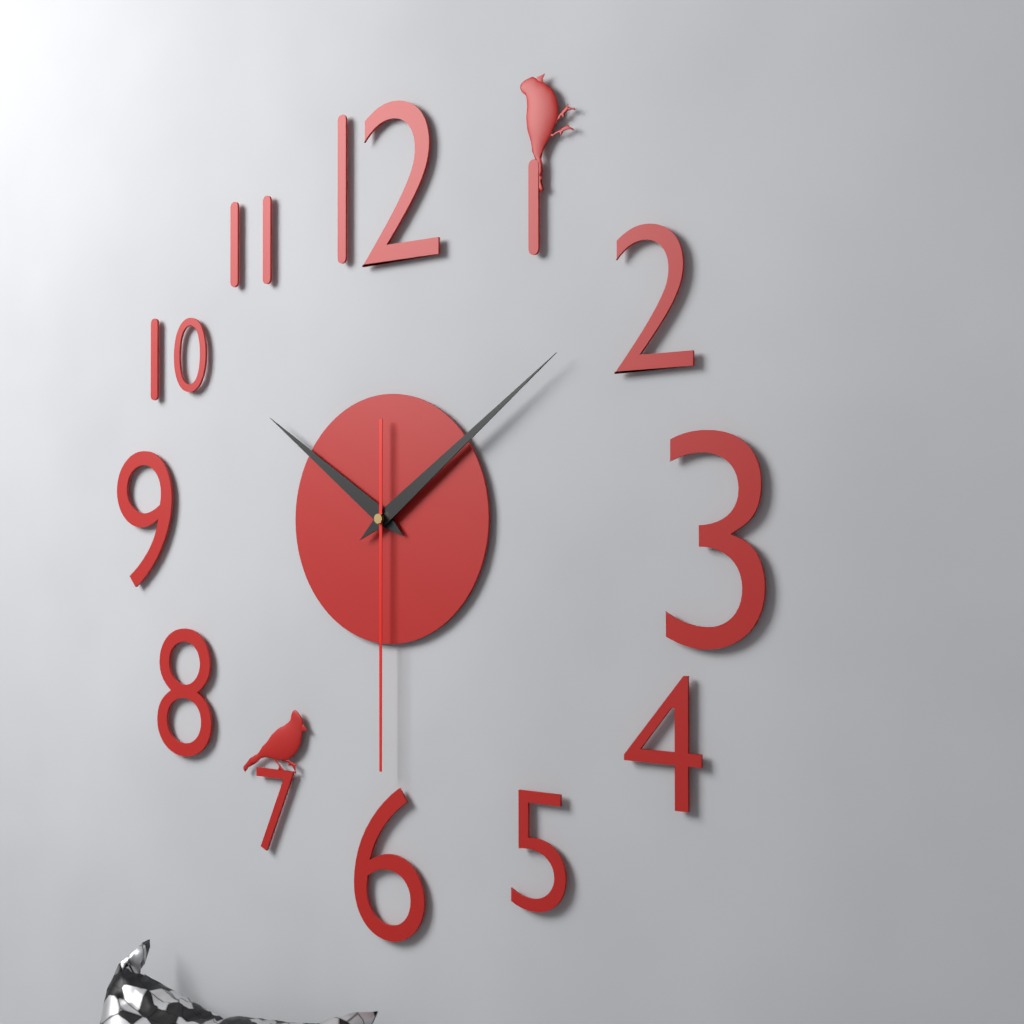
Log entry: h=10 m=9 s=30
